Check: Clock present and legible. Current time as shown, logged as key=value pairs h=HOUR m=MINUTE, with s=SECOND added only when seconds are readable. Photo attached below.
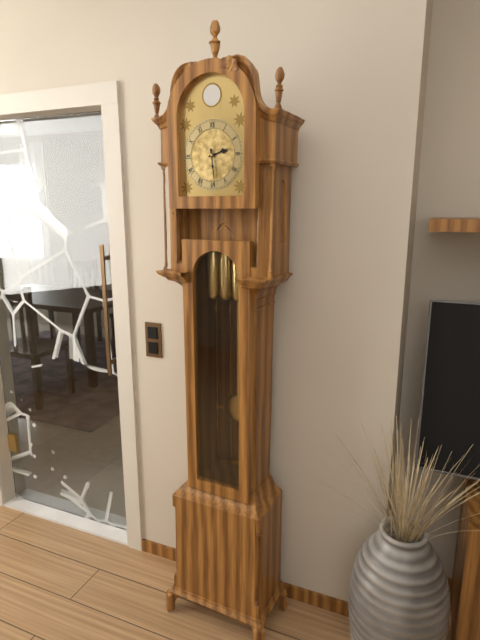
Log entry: h=2 m=29
